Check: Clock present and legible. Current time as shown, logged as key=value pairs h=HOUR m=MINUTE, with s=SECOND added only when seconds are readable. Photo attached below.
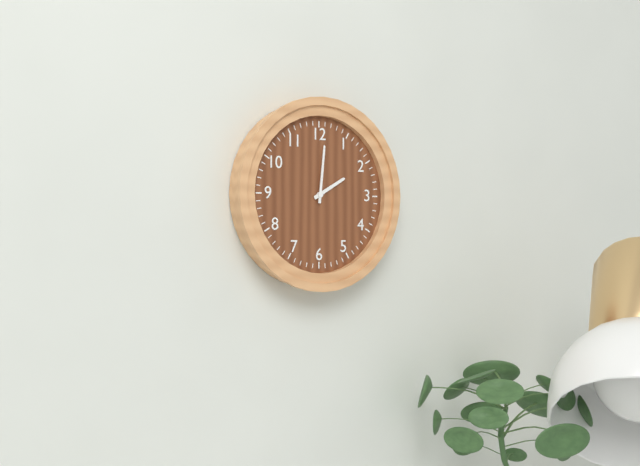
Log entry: h=2 m=1
